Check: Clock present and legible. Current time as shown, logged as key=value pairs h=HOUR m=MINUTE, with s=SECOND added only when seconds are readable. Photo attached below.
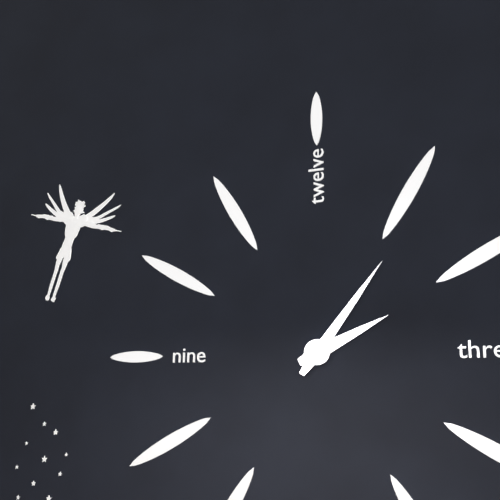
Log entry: h=2 m=6
